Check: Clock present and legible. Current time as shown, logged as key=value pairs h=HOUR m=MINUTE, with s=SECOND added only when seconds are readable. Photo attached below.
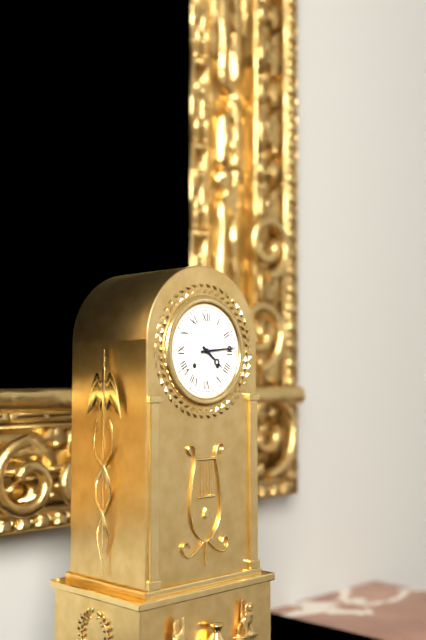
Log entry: h=4 m=14
